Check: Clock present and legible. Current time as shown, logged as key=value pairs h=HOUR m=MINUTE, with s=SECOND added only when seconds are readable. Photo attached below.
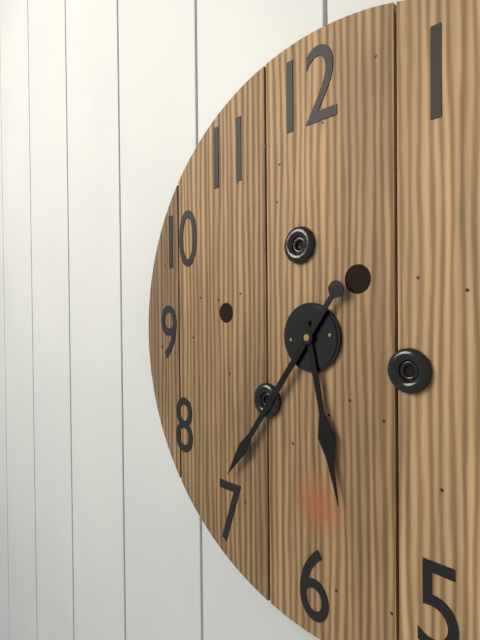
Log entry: h=5 m=36
